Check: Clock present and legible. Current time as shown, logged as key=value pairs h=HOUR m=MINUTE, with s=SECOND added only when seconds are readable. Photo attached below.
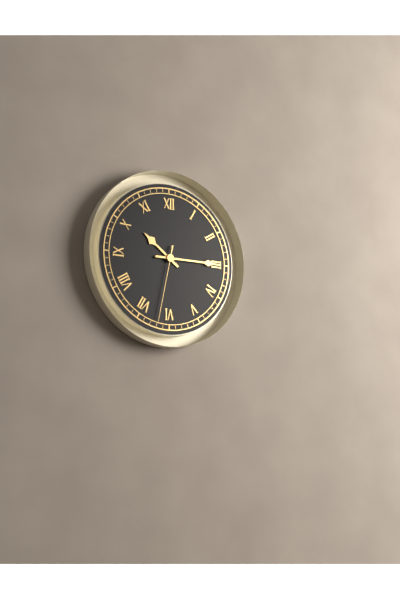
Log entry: h=10 m=15 s=32
